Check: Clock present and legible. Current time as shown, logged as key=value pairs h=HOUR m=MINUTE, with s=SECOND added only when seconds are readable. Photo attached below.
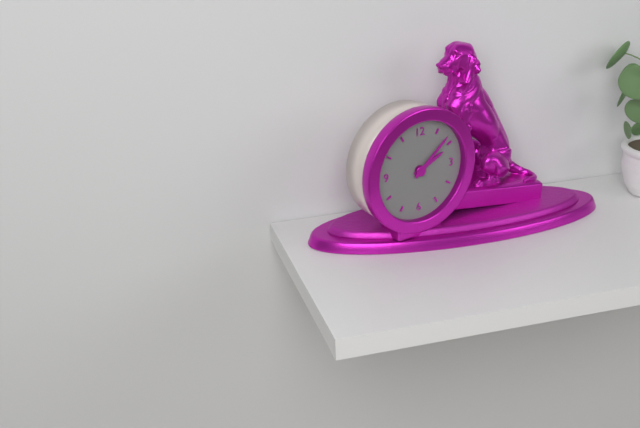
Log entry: h=2 m=8
